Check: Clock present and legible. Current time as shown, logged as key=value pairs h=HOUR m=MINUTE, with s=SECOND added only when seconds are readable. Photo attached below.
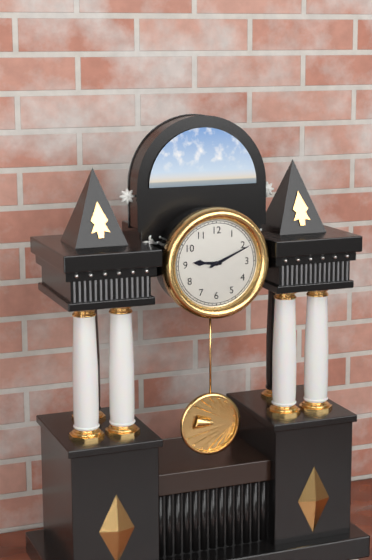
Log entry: h=9 m=11
